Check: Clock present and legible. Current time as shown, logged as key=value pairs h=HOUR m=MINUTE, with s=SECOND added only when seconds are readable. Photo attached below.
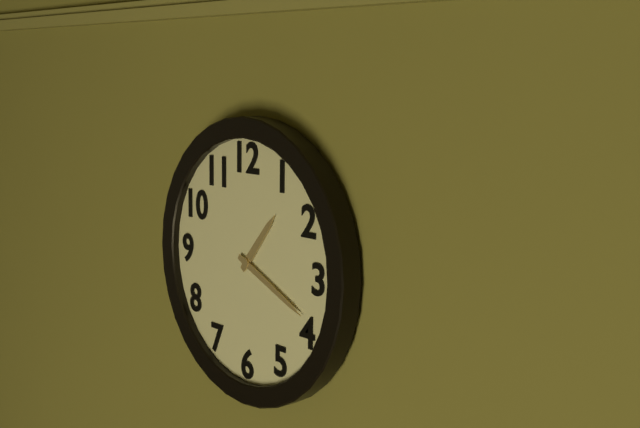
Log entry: h=1 m=19
